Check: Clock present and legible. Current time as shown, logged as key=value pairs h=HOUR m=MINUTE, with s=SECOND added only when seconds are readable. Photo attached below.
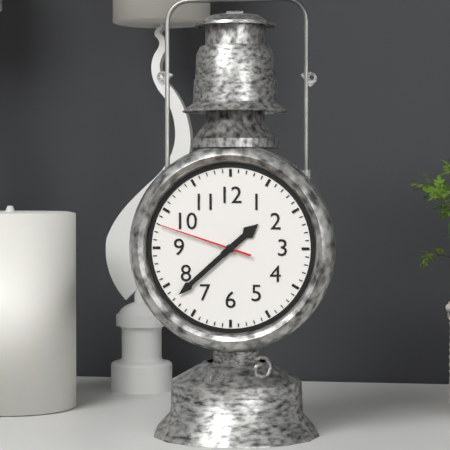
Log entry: h=1 m=38 s=48
